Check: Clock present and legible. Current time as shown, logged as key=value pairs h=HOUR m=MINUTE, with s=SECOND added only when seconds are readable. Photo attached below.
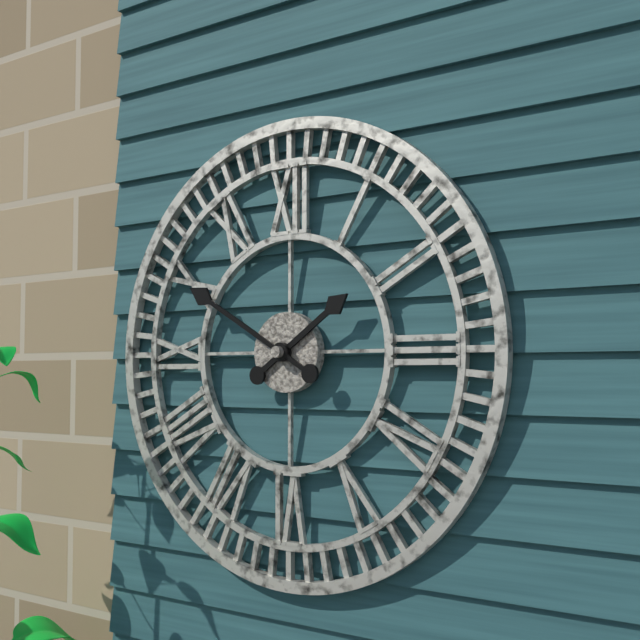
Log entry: h=1 m=50
